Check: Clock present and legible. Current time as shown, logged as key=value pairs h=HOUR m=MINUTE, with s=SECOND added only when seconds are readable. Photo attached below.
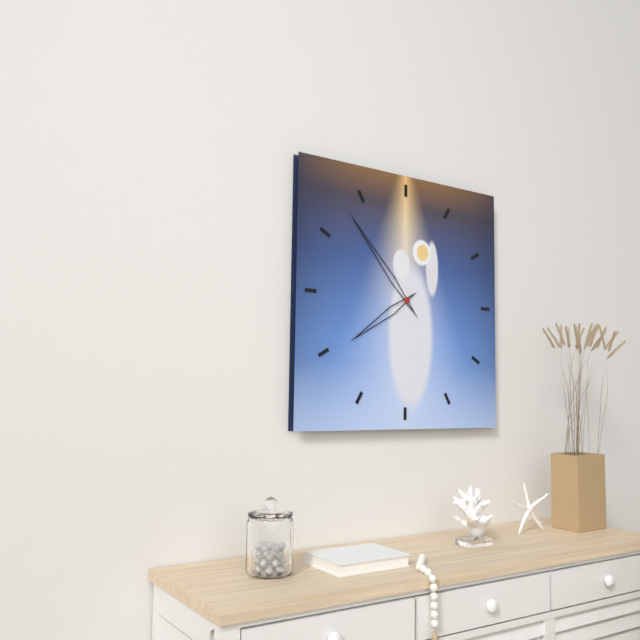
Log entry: h=7 m=53
